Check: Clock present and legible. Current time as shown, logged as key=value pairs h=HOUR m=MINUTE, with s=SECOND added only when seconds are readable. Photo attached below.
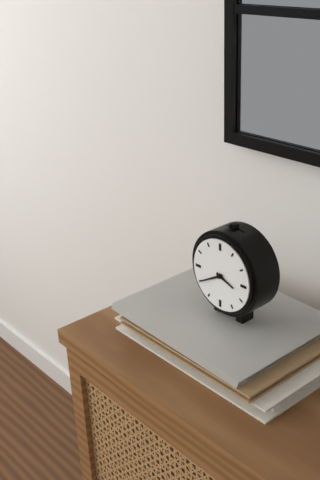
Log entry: h=3 m=40
